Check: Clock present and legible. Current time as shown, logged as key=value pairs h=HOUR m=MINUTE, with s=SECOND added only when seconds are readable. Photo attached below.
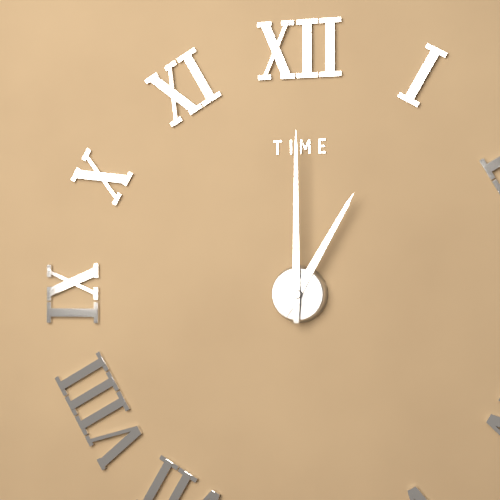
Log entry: h=1 m=0
